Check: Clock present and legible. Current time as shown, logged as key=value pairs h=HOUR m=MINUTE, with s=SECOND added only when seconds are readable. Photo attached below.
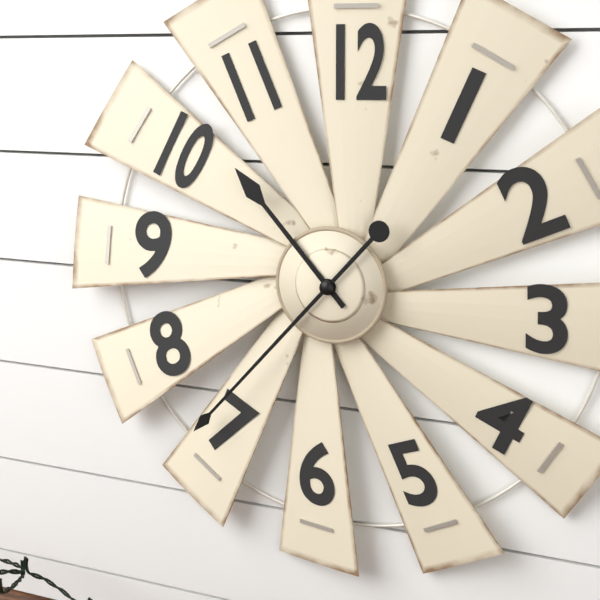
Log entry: h=10 m=37
